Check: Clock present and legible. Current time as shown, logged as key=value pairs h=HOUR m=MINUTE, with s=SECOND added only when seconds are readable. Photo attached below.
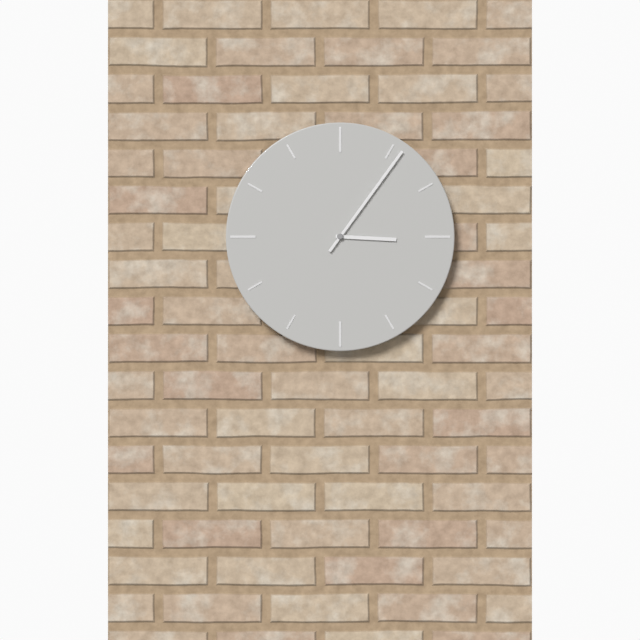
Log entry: h=3 m=6
